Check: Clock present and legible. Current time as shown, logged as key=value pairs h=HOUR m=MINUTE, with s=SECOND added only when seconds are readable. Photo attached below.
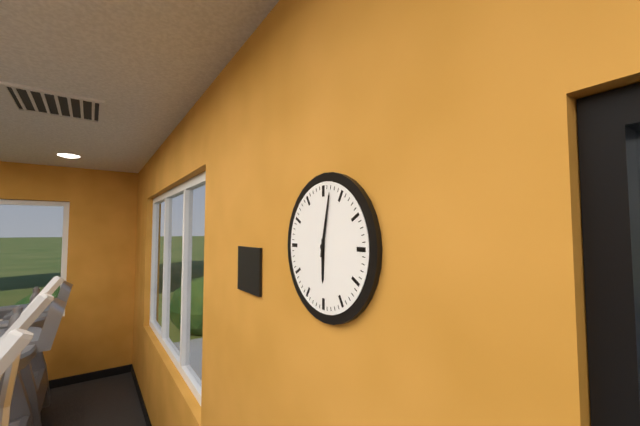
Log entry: h=6 m=2
